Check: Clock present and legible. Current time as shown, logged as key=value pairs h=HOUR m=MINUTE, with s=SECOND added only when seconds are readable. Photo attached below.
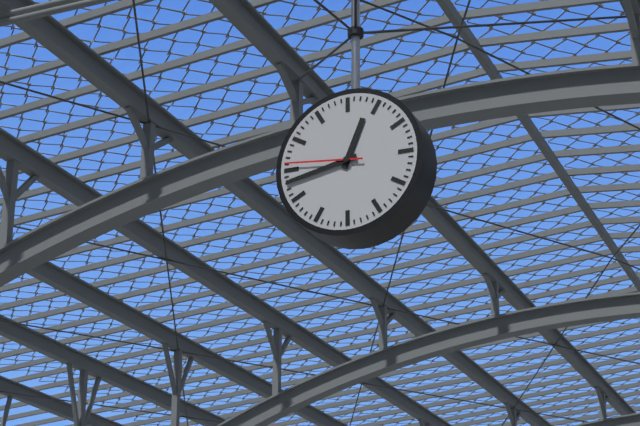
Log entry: h=12 m=43 s=46
